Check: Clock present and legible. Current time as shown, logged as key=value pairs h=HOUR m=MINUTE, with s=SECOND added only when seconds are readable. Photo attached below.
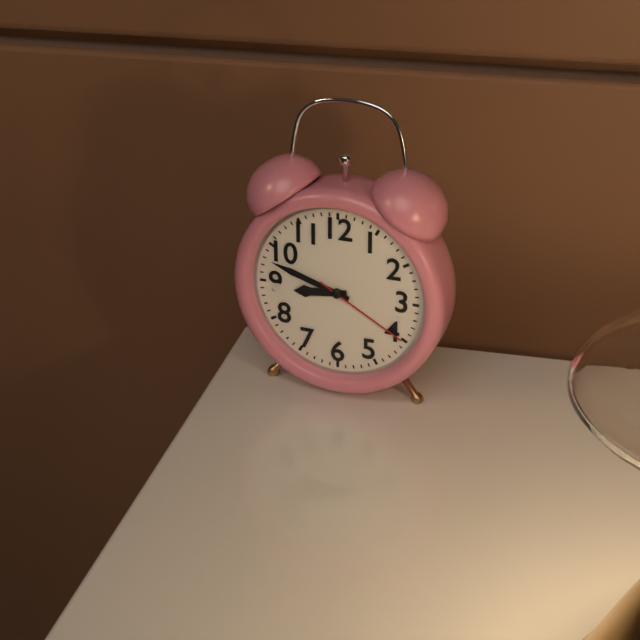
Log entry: h=8 m=48 s=20
